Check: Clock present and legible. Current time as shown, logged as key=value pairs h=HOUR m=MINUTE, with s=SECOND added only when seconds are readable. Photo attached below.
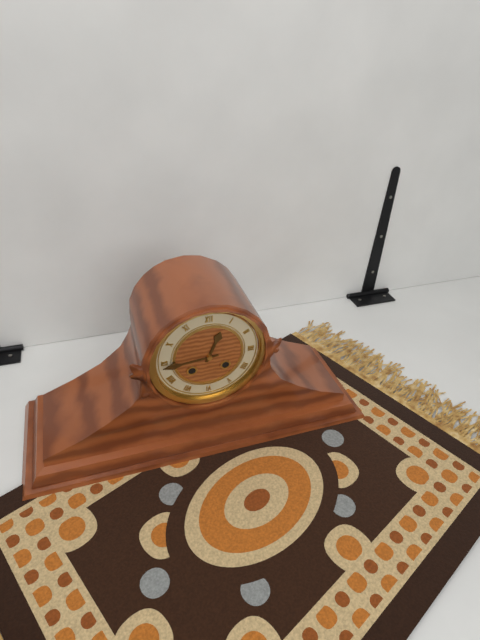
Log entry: h=12 m=44
